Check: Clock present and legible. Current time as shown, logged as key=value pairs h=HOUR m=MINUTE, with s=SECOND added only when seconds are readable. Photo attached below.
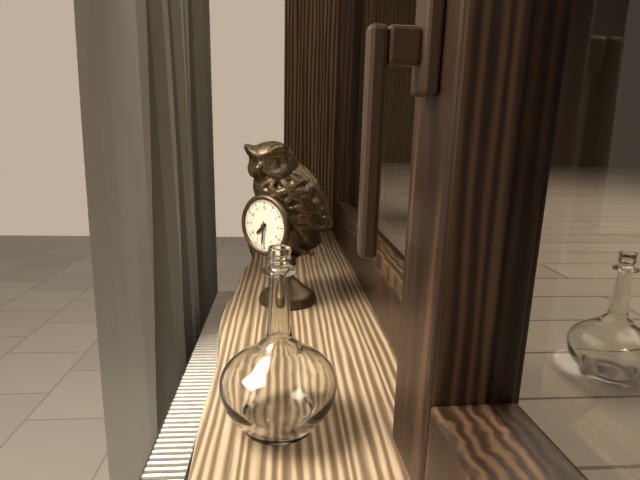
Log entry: h=7 m=31
